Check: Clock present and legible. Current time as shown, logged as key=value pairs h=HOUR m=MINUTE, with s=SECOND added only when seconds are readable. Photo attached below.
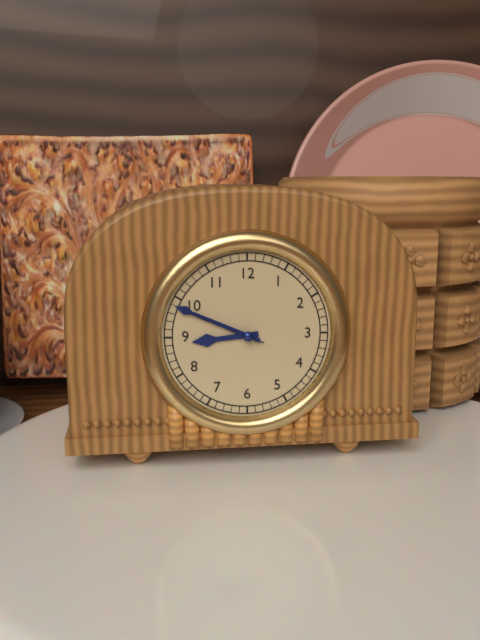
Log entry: h=8 m=49 s=49
